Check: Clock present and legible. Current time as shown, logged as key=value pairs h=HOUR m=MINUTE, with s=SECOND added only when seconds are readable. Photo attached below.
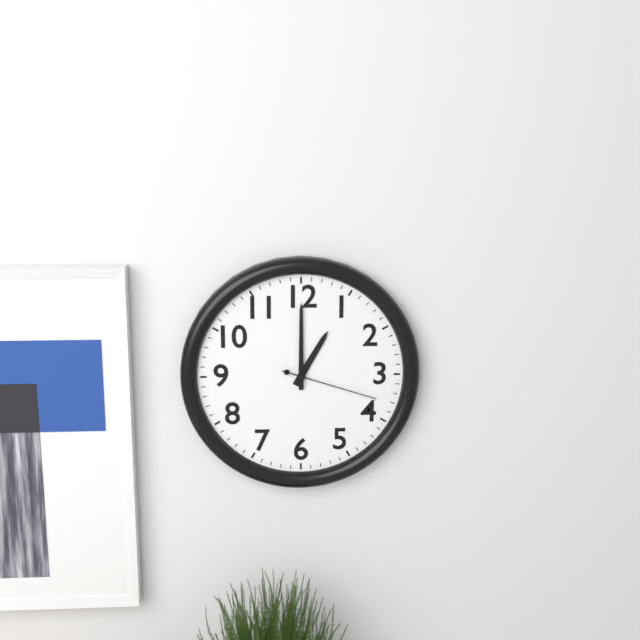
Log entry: h=1 m=0 s=18
